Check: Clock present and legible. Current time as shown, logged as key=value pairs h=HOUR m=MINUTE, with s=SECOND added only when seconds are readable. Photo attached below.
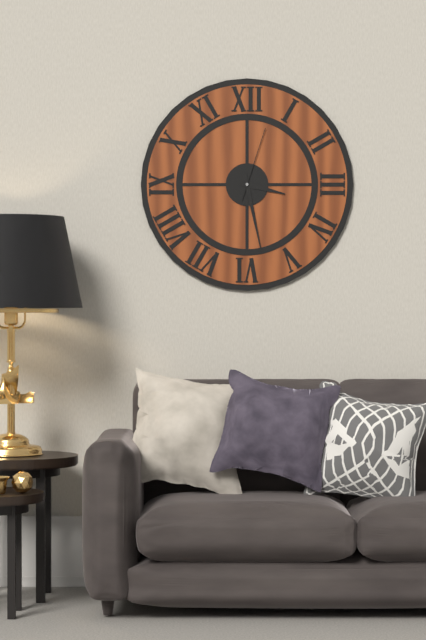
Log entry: h=3 m=28 s=3
